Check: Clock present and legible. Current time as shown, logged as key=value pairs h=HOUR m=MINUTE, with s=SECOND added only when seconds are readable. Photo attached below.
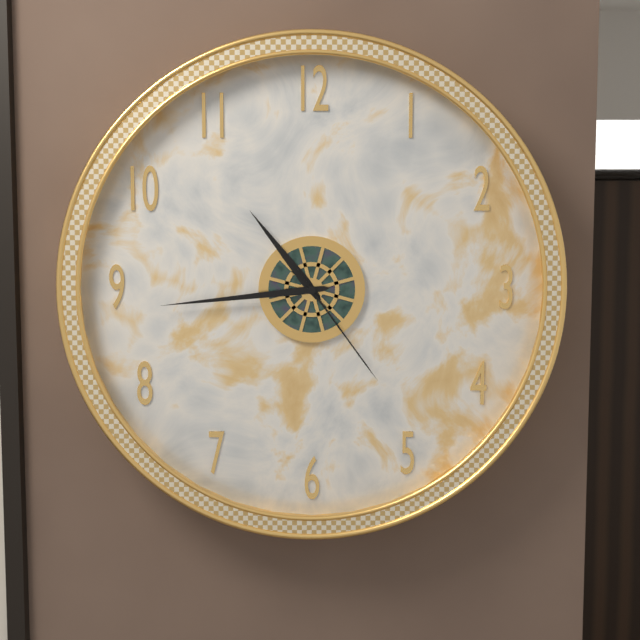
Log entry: h=10 m=44 s=24
